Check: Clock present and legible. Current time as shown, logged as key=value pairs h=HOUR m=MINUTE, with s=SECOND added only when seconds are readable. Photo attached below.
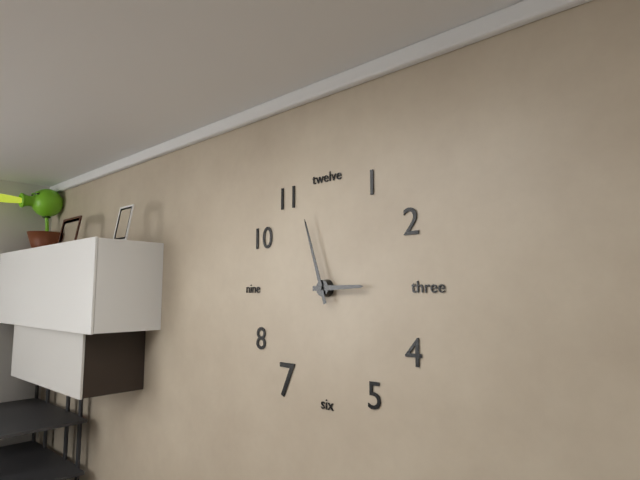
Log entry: h=2 m=57
